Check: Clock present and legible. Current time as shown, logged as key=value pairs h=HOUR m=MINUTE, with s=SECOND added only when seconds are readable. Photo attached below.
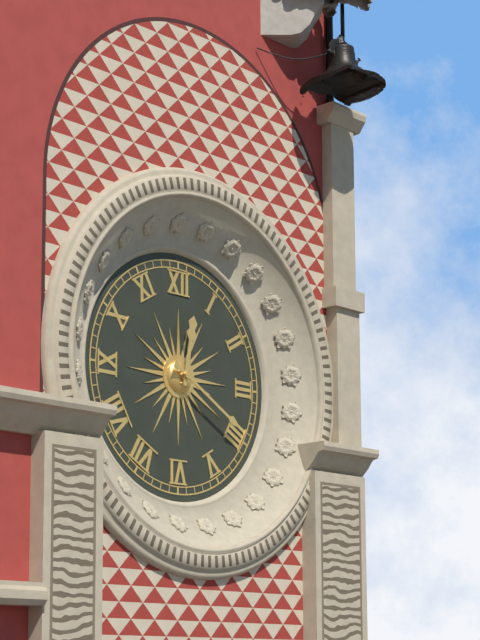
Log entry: h=12 m=20
